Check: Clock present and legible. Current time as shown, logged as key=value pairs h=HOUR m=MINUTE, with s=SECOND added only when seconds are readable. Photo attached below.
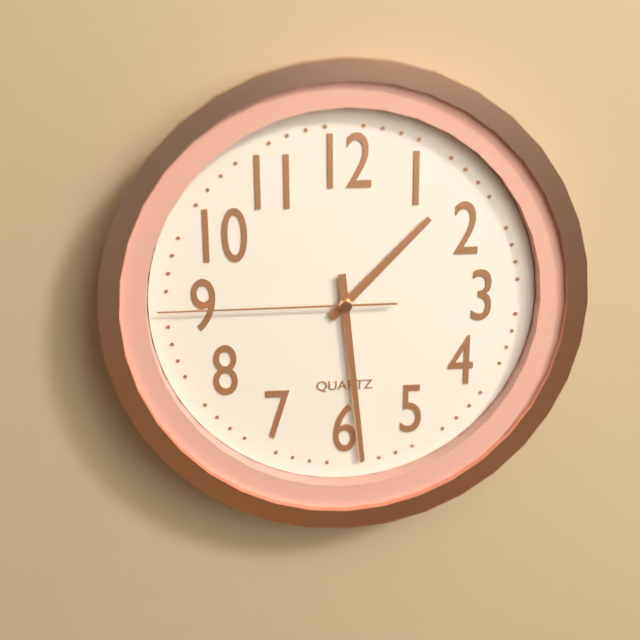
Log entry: h=1 m=29 s=45
